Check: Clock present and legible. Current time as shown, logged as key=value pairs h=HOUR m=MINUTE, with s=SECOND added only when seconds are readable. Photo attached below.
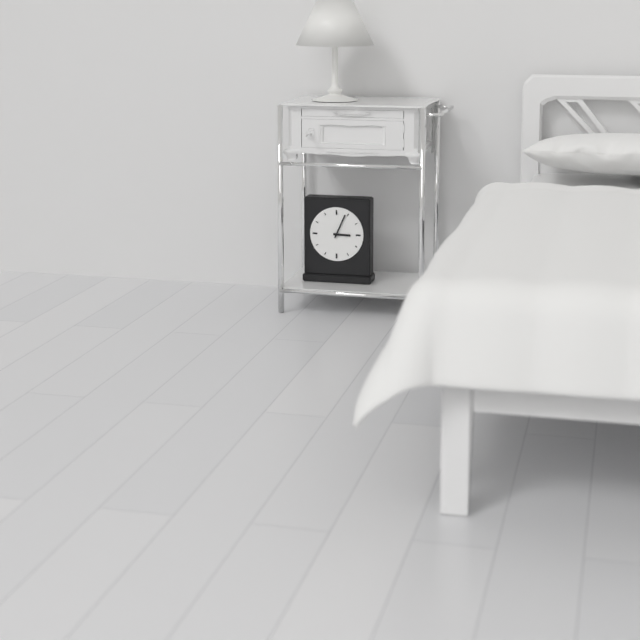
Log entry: h=3 m=4
